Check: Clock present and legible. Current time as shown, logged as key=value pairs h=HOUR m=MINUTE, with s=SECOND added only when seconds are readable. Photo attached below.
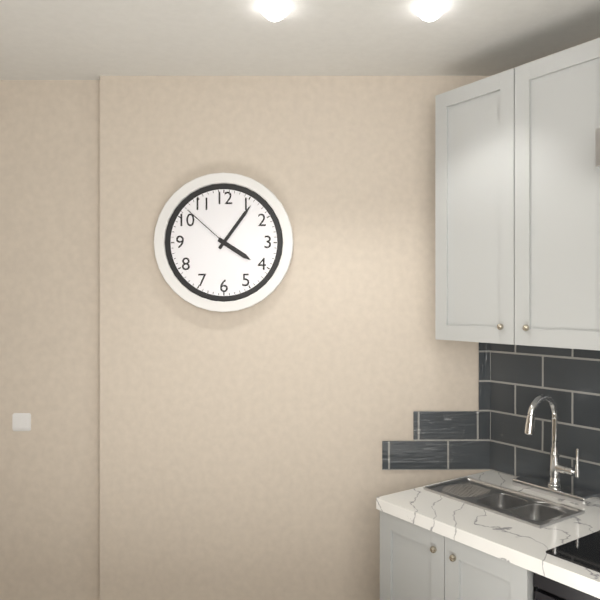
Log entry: h=4 m=6 s=52
